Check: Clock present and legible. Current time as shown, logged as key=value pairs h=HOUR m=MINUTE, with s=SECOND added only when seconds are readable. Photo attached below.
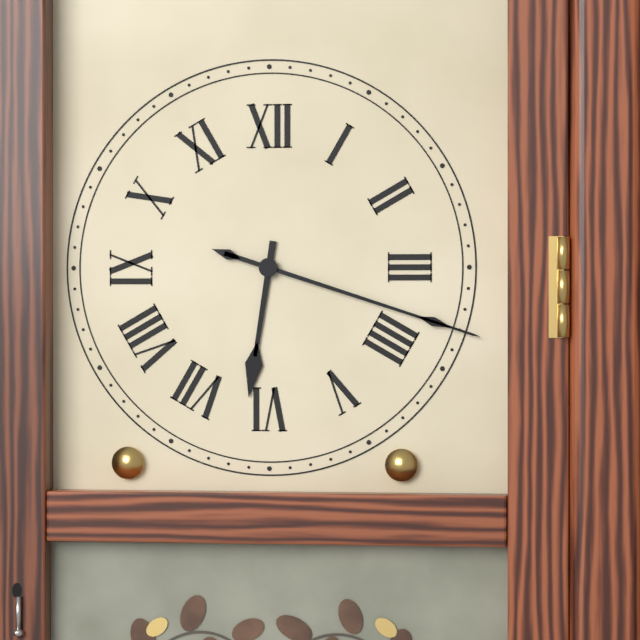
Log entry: h=6 m=18
